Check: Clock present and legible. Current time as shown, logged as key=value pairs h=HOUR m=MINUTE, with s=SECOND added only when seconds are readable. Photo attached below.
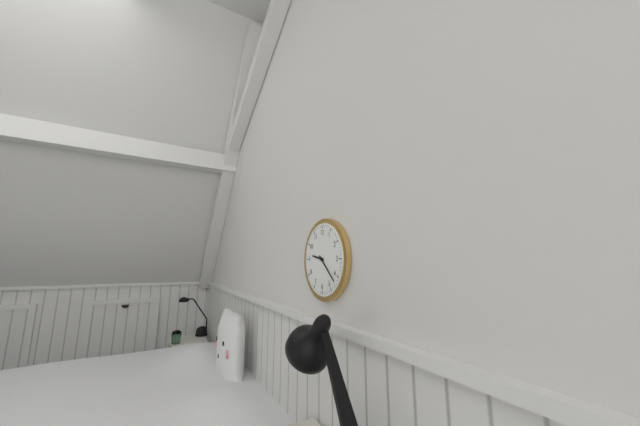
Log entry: h=9 m=22
